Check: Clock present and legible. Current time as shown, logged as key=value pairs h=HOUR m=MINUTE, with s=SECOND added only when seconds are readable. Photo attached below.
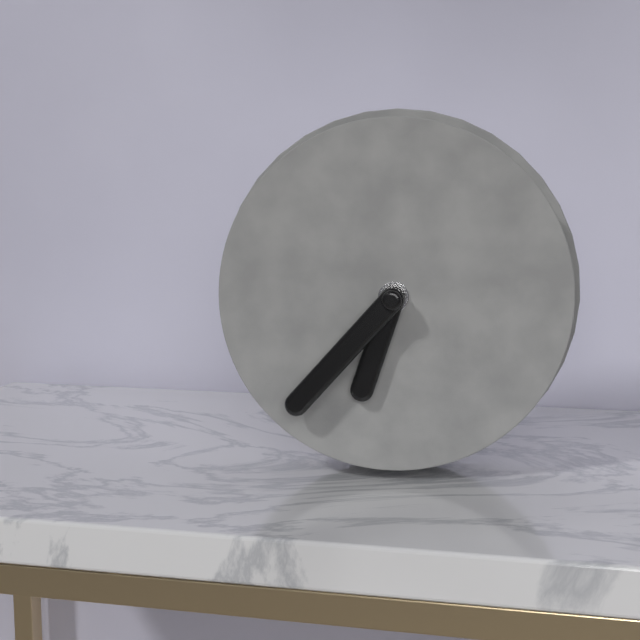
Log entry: h=6 m=37
